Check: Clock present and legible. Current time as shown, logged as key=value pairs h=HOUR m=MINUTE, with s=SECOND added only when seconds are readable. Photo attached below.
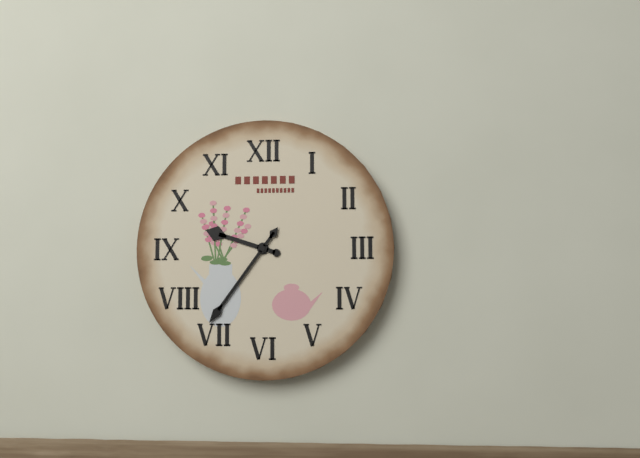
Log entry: h=9 m=36
